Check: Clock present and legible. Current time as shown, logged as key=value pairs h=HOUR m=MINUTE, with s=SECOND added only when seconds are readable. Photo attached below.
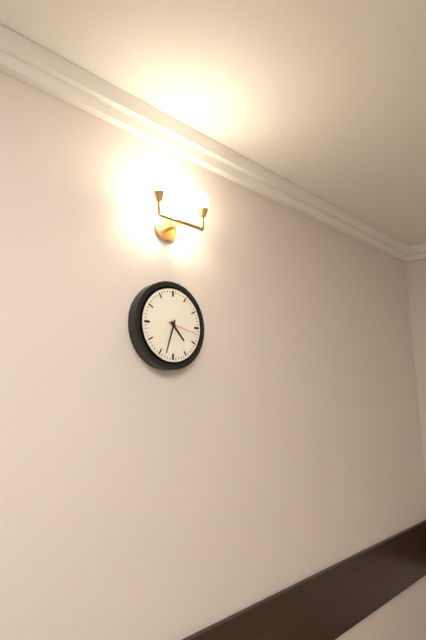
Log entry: h=4 m=33
